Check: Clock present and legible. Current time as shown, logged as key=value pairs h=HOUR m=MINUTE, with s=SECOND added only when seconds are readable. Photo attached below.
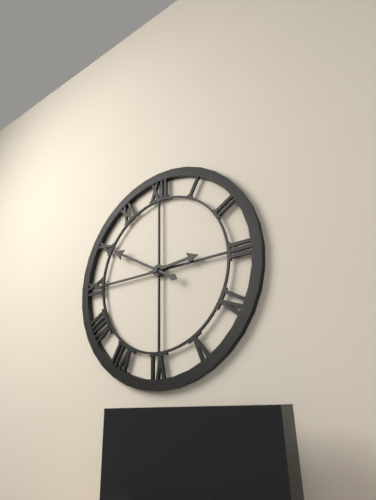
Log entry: h=2 m=50
